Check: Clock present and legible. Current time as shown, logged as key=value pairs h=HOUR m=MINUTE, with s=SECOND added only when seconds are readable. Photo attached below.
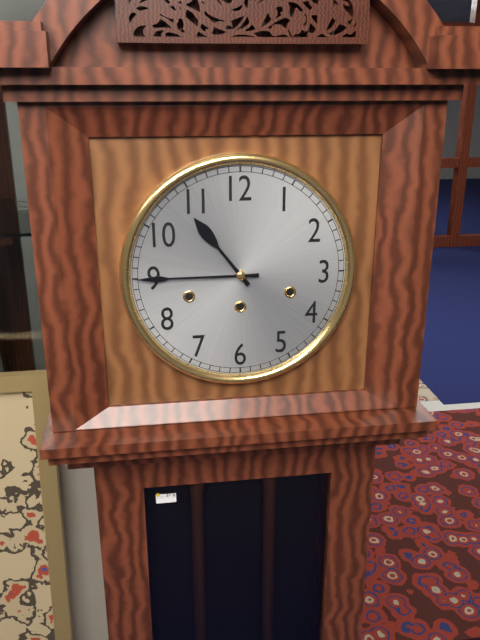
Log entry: h=10 m=45
